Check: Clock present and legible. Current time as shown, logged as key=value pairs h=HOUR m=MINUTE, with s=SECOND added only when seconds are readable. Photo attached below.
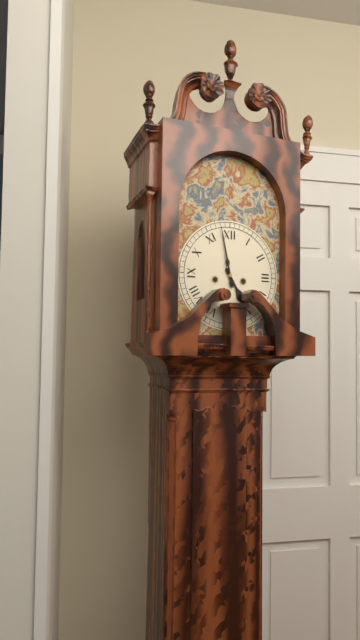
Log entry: h=4 m=58
